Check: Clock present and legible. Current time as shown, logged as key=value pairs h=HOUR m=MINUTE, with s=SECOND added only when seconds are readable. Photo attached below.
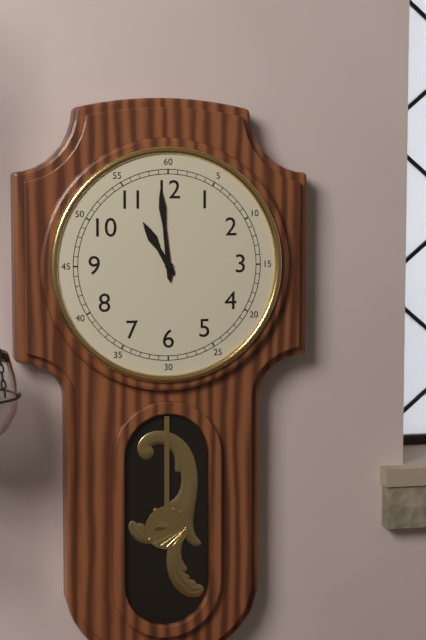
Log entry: h=10 m=59
